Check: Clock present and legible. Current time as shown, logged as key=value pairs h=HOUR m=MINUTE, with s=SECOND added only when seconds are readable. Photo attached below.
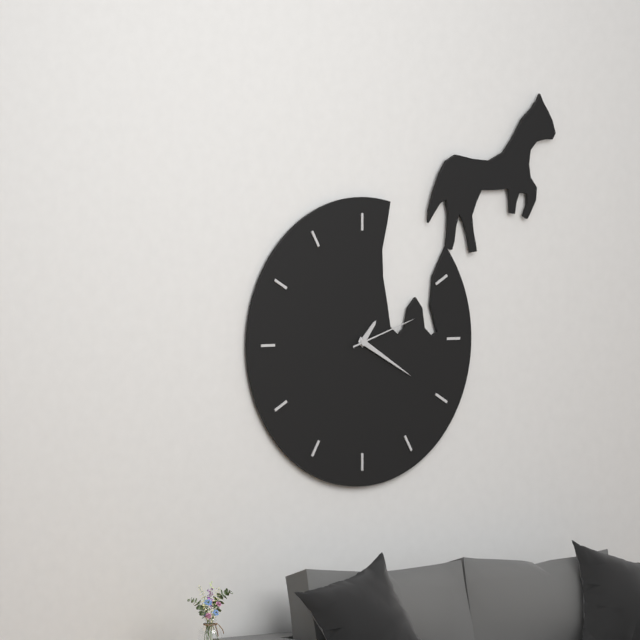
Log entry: h=1 m=20 s=12
